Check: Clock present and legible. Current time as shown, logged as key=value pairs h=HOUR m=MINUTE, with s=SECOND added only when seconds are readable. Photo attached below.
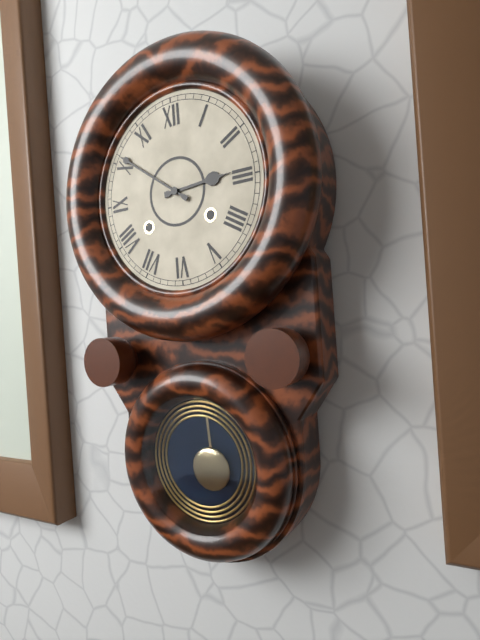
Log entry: h=2 m=51
